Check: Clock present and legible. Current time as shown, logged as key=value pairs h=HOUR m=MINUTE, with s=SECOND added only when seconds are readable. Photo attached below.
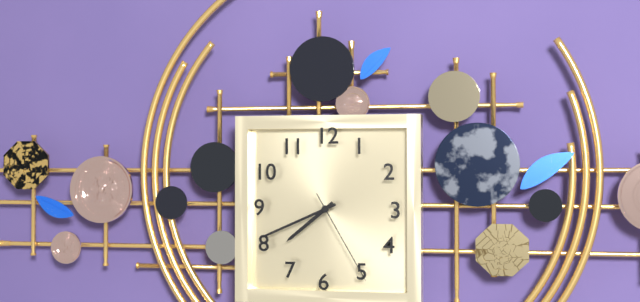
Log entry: h=7 m=41 s=25
